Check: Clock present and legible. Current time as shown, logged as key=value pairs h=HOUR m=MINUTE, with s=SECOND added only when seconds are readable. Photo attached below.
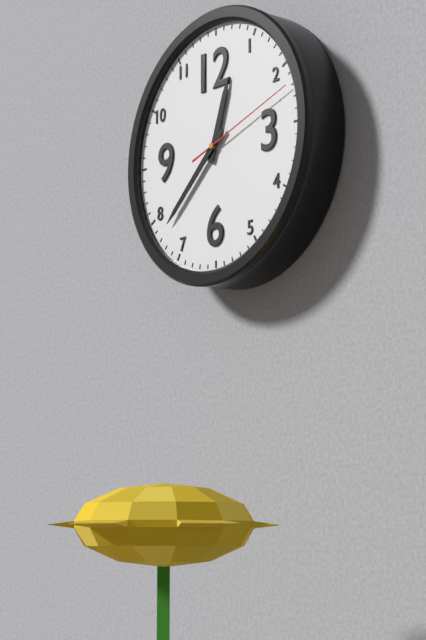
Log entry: h=12 m=38 s=12
